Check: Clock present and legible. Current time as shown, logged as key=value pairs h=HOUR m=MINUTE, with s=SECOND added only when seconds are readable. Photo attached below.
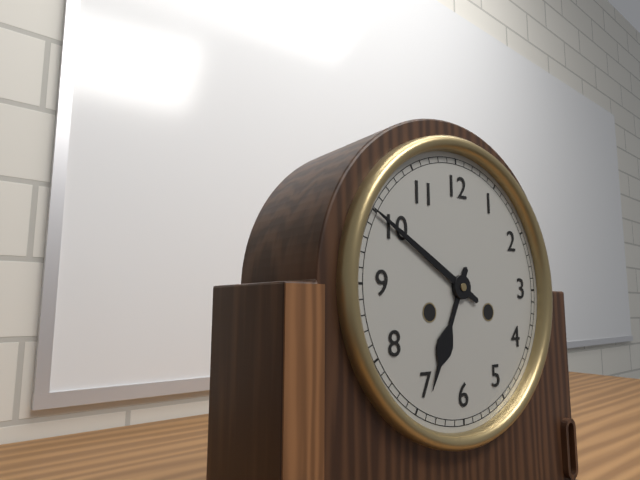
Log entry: h=6 m=50
